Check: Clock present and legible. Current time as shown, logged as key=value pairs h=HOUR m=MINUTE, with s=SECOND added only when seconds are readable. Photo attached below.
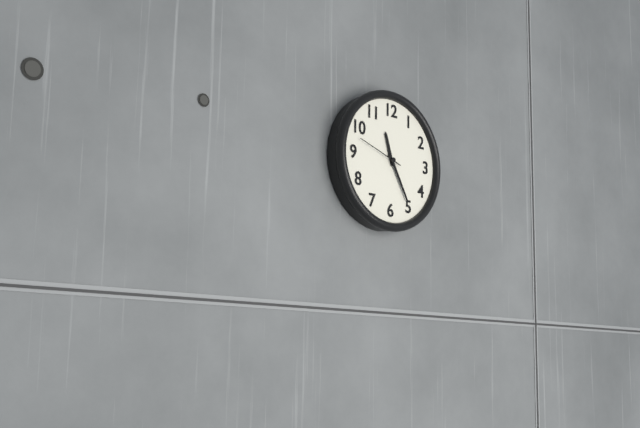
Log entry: h=11 m=25
